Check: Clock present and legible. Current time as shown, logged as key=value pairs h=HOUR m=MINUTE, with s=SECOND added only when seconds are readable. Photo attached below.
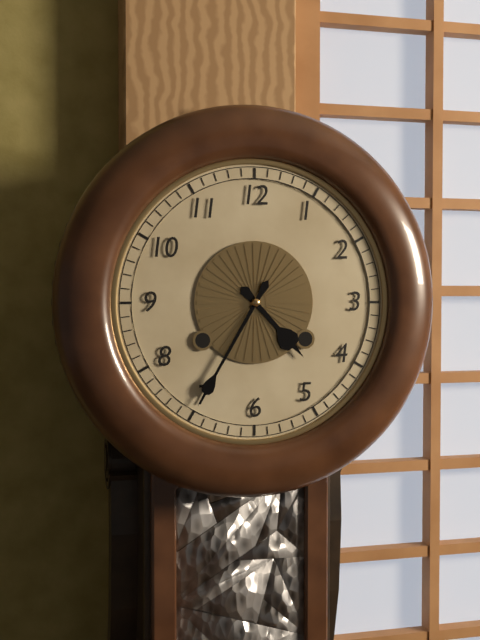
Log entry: h=4 m=35
